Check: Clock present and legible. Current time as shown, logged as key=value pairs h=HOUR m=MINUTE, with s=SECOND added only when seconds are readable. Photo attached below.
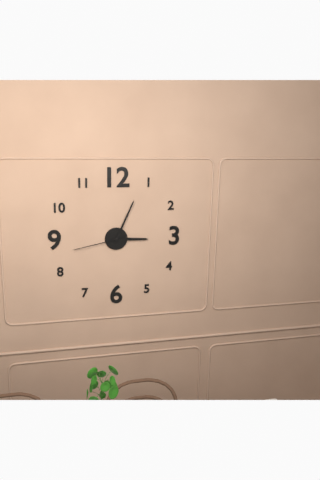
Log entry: h=3 m=4 s=43
